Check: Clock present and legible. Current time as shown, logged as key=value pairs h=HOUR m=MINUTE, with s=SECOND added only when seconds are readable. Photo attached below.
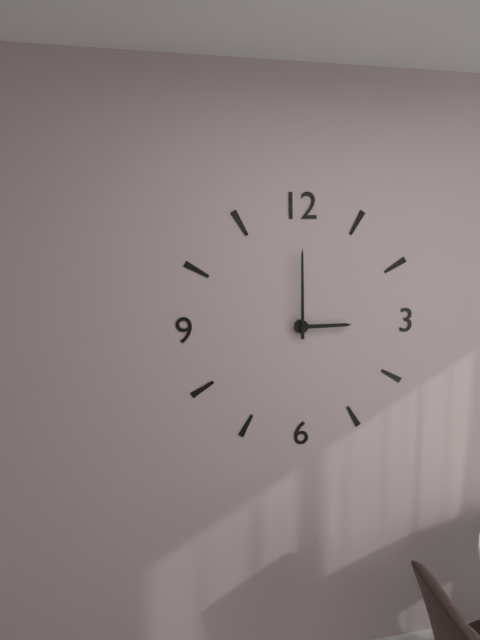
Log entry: h=3 m=0
